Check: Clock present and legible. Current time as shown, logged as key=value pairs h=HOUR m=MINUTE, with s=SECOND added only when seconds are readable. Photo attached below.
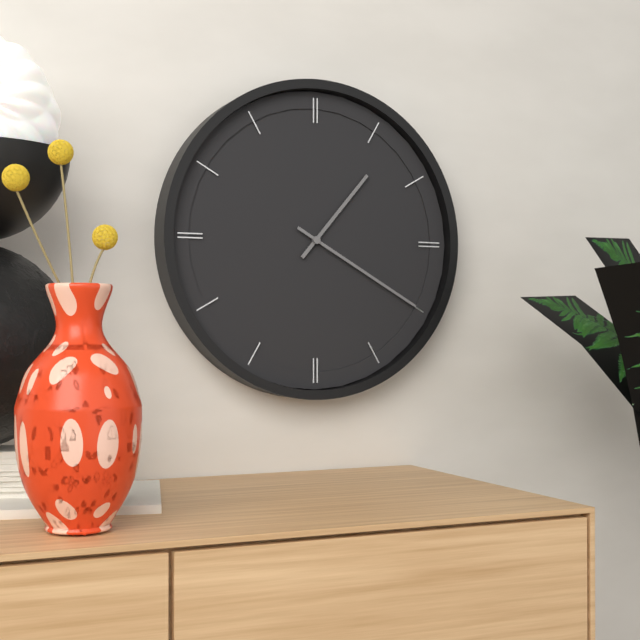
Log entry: h=1 m=20
